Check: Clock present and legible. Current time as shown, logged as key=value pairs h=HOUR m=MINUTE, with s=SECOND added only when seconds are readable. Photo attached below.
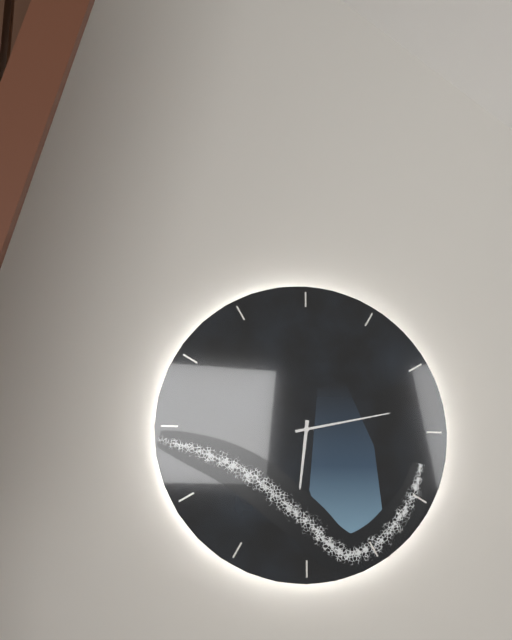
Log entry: h=6 m=13
